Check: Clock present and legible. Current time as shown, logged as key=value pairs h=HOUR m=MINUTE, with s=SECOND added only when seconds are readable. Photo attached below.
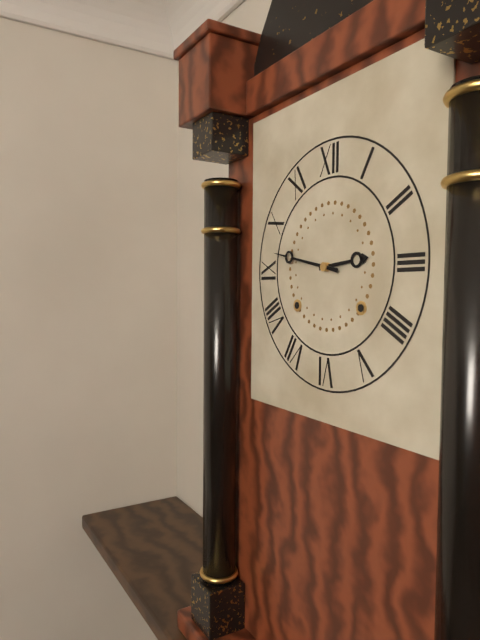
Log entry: h=2 m=47
